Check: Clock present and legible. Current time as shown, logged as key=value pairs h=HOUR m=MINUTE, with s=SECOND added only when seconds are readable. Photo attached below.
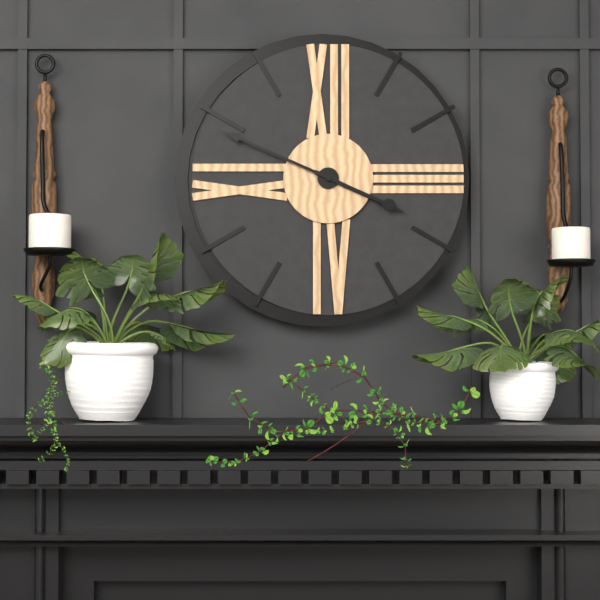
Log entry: h=3 m=49
